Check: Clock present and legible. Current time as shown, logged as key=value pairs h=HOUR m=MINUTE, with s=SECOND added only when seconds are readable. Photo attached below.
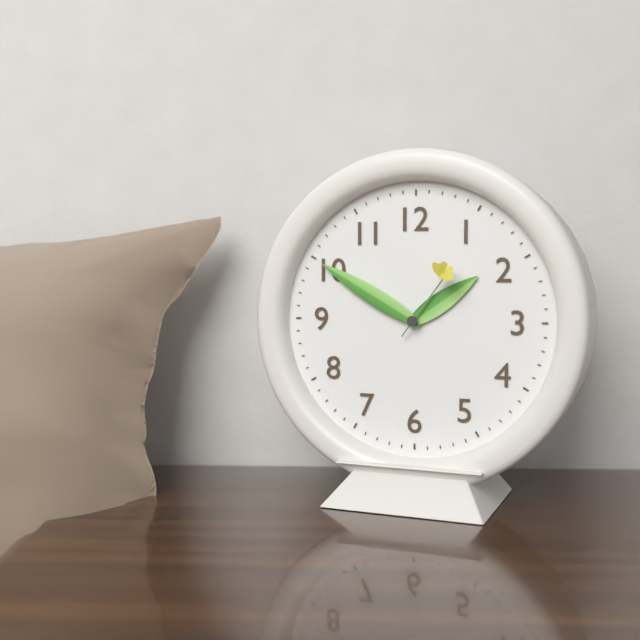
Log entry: h=1 m=50 s=6
